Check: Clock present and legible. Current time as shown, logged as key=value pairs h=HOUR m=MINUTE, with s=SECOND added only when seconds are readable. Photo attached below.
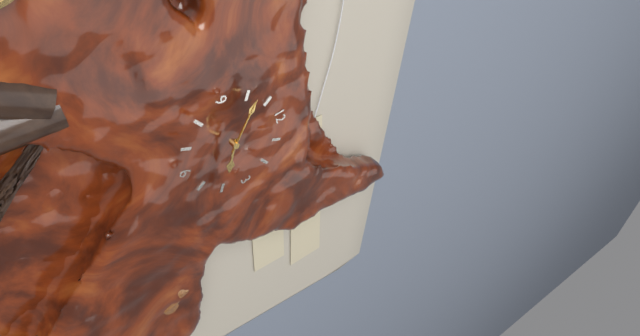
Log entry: h=3 m=52 s=52
